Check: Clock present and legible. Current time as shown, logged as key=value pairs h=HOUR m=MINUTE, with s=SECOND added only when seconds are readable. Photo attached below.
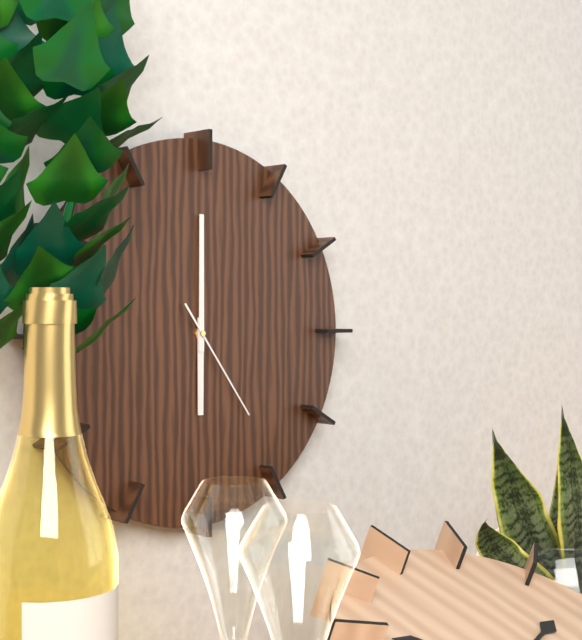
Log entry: h=6 m=0 s=24
